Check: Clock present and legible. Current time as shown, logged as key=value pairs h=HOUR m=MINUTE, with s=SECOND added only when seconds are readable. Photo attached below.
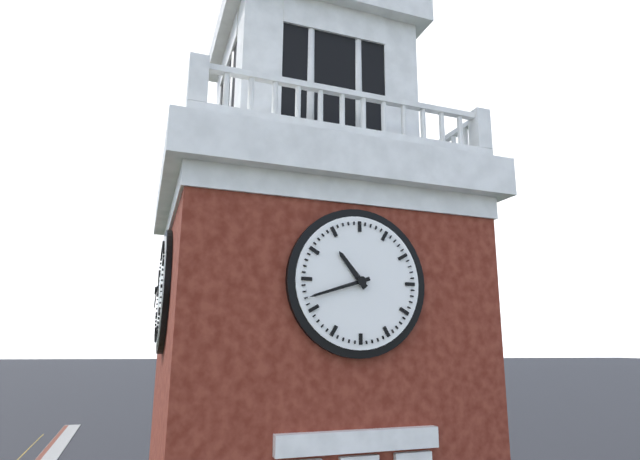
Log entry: h=10 m=42
